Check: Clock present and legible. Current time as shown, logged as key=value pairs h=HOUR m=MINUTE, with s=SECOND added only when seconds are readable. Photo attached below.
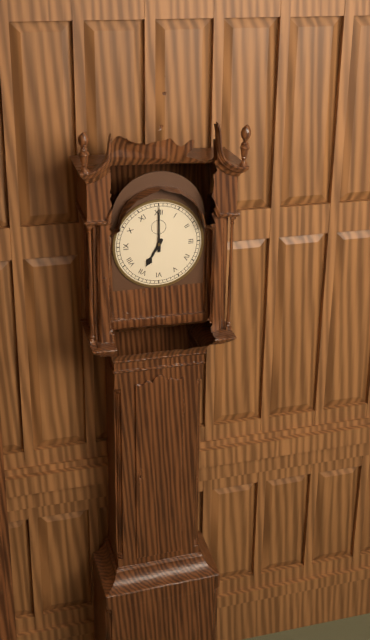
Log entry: h=7 m=0
